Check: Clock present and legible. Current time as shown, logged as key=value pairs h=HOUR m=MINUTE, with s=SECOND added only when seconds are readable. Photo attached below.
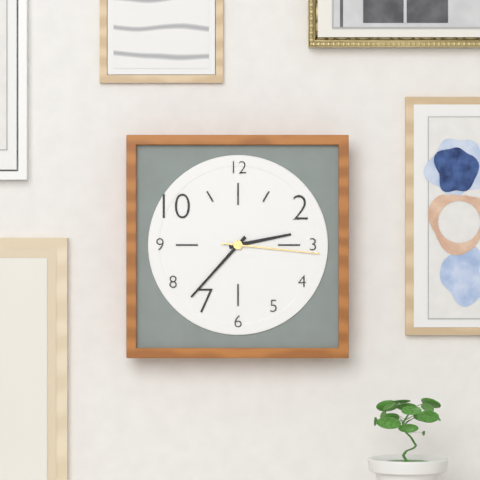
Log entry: h=2 m=37 s=16
